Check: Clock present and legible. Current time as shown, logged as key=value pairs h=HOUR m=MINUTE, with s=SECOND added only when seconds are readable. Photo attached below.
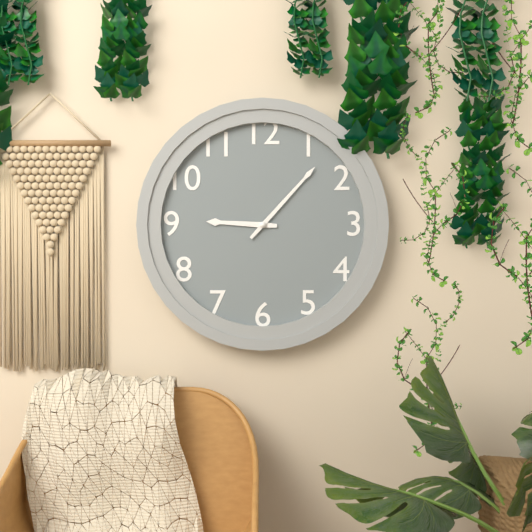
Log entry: h=9 m=7
